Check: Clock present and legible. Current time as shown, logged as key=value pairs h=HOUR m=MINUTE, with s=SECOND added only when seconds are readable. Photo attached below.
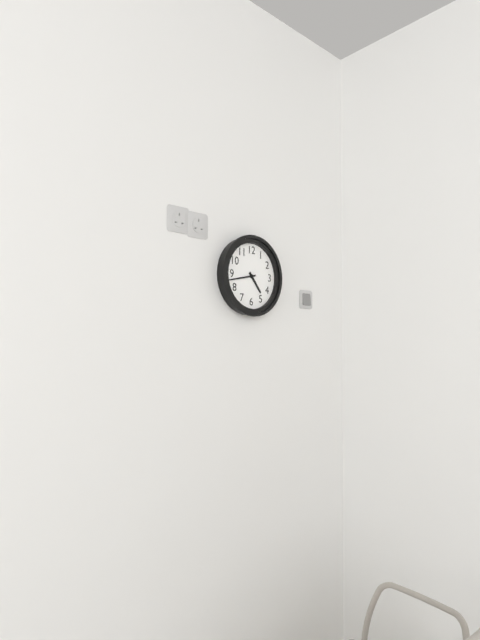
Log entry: h=4 m=43
